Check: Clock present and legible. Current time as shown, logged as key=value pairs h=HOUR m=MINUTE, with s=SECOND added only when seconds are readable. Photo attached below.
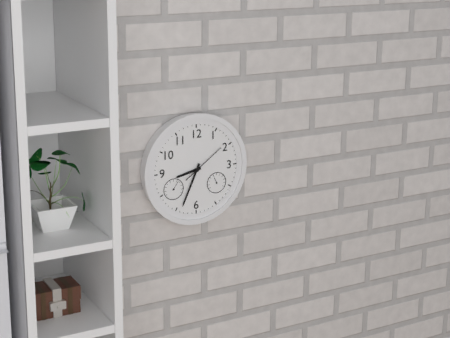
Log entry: h=8 m=34
